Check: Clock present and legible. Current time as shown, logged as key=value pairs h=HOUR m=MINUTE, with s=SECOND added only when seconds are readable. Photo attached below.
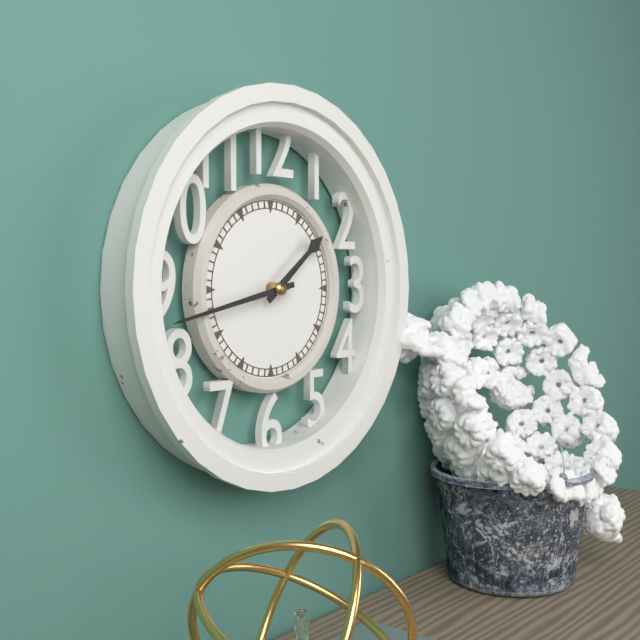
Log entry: h=1 m=43
